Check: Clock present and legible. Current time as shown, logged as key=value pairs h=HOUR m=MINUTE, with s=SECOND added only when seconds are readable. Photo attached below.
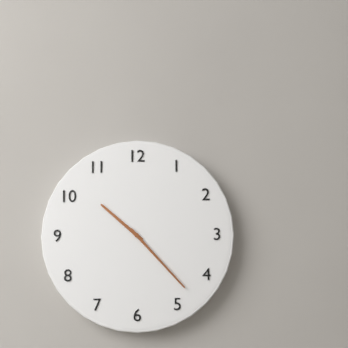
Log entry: h=10 m=23
